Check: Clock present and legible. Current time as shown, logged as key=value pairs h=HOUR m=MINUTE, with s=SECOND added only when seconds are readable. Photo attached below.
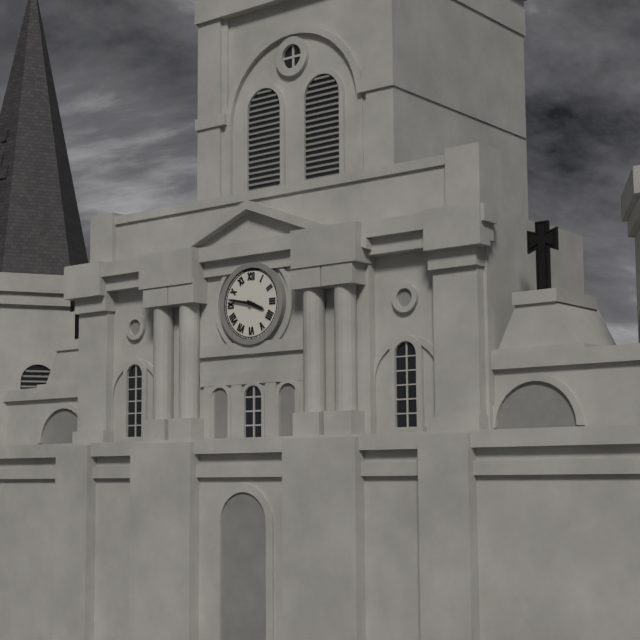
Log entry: h=3 m=47
